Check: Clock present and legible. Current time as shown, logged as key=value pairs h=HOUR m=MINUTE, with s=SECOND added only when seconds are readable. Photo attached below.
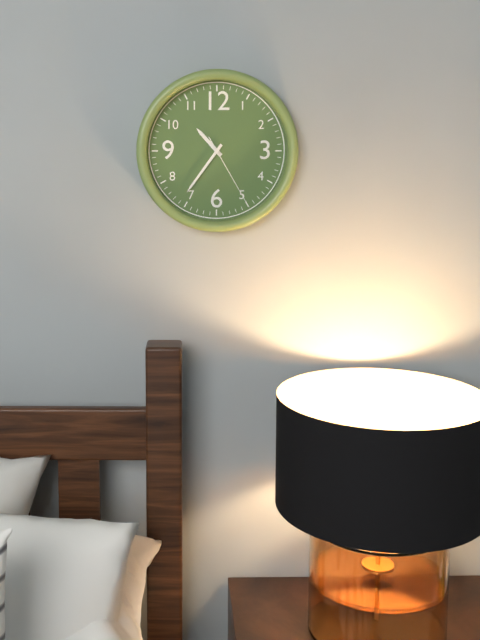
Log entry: h=10 m=36 s=25
